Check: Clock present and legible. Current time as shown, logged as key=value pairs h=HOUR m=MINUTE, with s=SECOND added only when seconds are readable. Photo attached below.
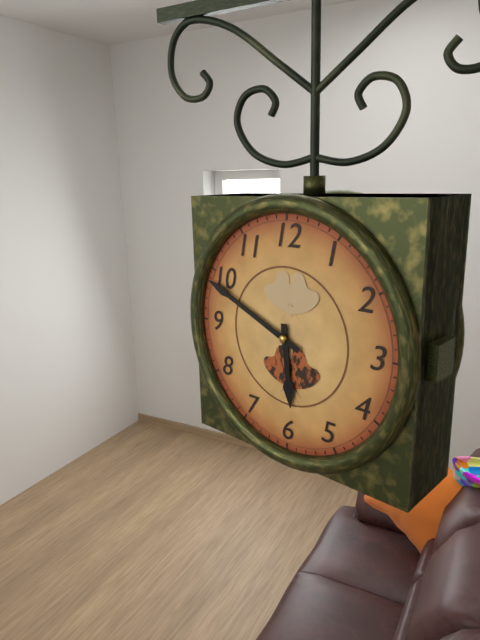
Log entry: h=5 m=49
